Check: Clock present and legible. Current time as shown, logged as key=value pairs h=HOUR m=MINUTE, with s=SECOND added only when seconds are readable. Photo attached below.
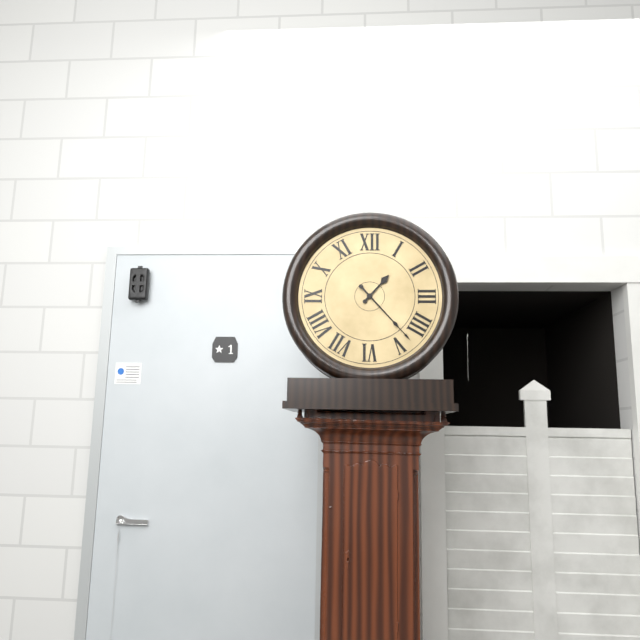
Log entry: h=1 m=23
